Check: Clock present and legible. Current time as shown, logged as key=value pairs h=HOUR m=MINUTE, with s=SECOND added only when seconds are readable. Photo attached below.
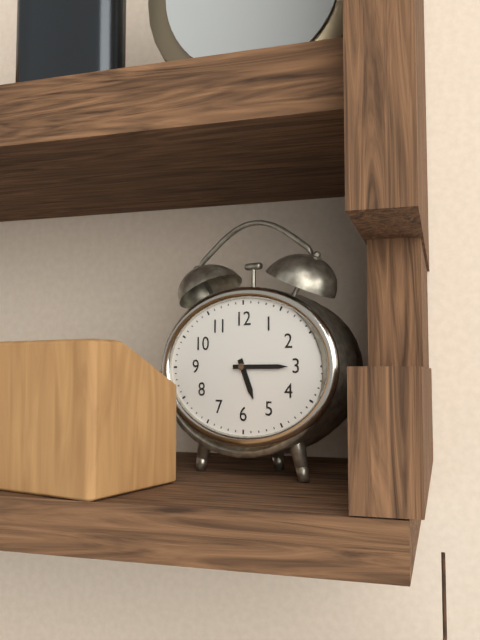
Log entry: h=5 m=15
